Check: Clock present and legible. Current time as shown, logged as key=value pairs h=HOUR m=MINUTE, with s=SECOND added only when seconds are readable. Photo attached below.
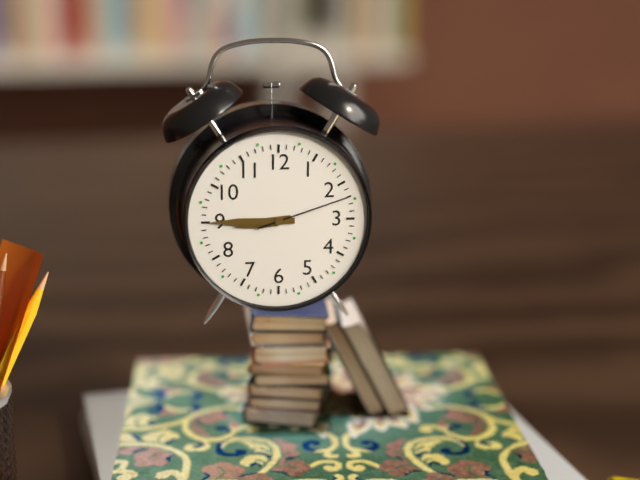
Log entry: h=8 m=45 s=12
